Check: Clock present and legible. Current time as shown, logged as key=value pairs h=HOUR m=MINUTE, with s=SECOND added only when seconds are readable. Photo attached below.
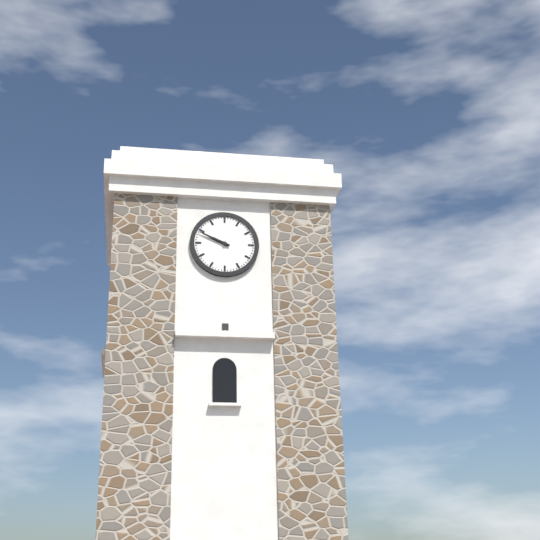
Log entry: h=9 m=49
